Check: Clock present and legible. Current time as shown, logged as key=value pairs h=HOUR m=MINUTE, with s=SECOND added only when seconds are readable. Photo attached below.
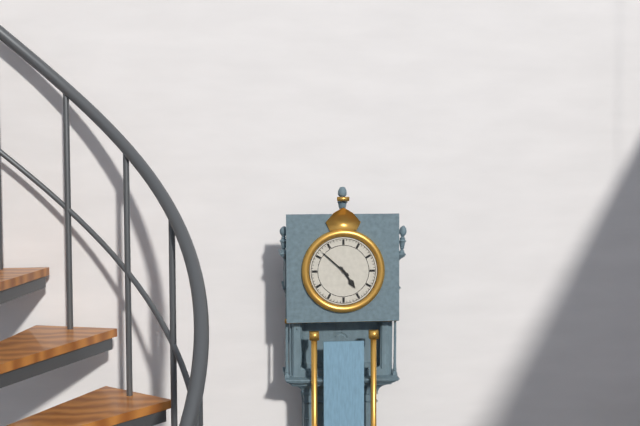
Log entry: h=4 m=52
